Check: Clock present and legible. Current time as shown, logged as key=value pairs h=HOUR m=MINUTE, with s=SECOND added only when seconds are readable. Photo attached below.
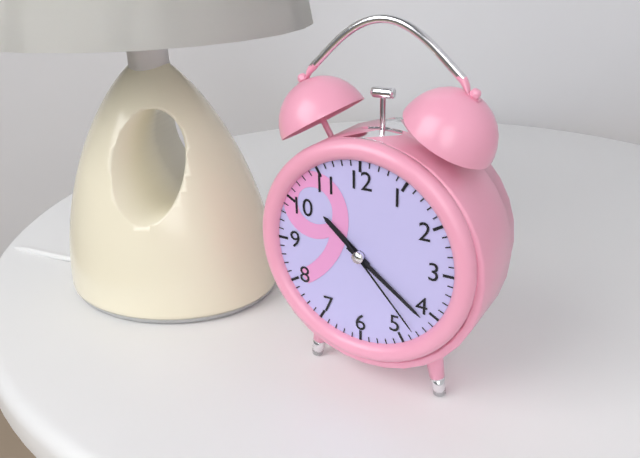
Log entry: h=10 m=21 s=23
